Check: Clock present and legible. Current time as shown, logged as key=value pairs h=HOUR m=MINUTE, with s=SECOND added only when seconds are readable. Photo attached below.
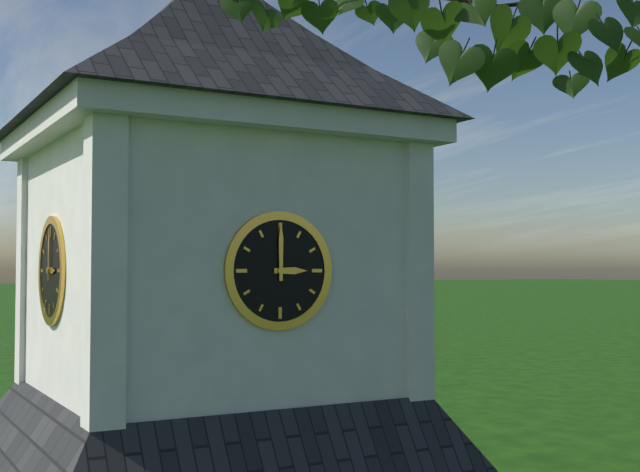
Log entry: h=3 m=0
